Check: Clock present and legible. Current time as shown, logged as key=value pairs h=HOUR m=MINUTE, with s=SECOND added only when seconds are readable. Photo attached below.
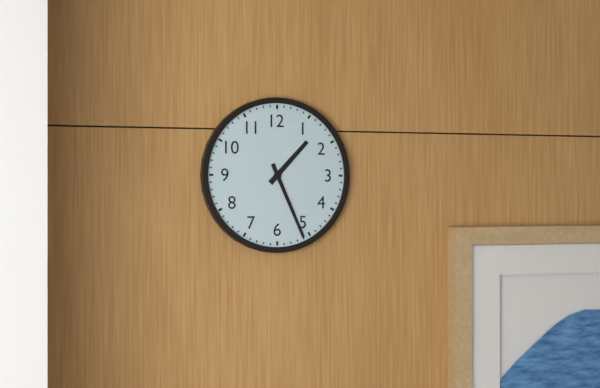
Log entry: h=1 m=26
